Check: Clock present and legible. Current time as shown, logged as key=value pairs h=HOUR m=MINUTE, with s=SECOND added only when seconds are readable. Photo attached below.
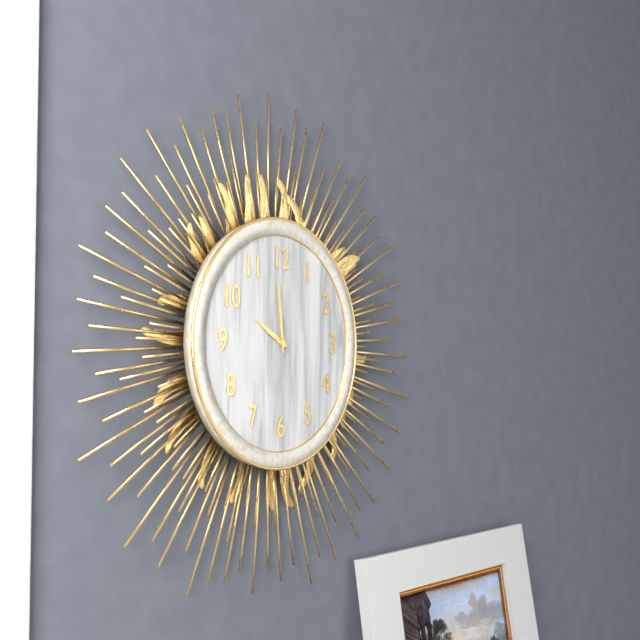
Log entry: h=9 m=59
